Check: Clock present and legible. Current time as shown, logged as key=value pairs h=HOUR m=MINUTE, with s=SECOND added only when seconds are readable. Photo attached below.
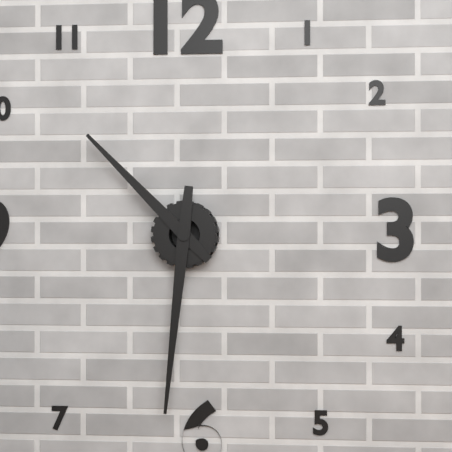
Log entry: h=10 m=31
